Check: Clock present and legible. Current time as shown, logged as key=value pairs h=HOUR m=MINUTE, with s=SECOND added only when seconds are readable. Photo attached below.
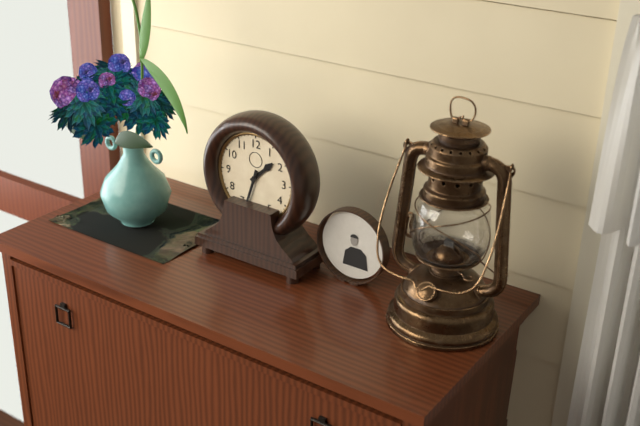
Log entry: h=1 m=33
